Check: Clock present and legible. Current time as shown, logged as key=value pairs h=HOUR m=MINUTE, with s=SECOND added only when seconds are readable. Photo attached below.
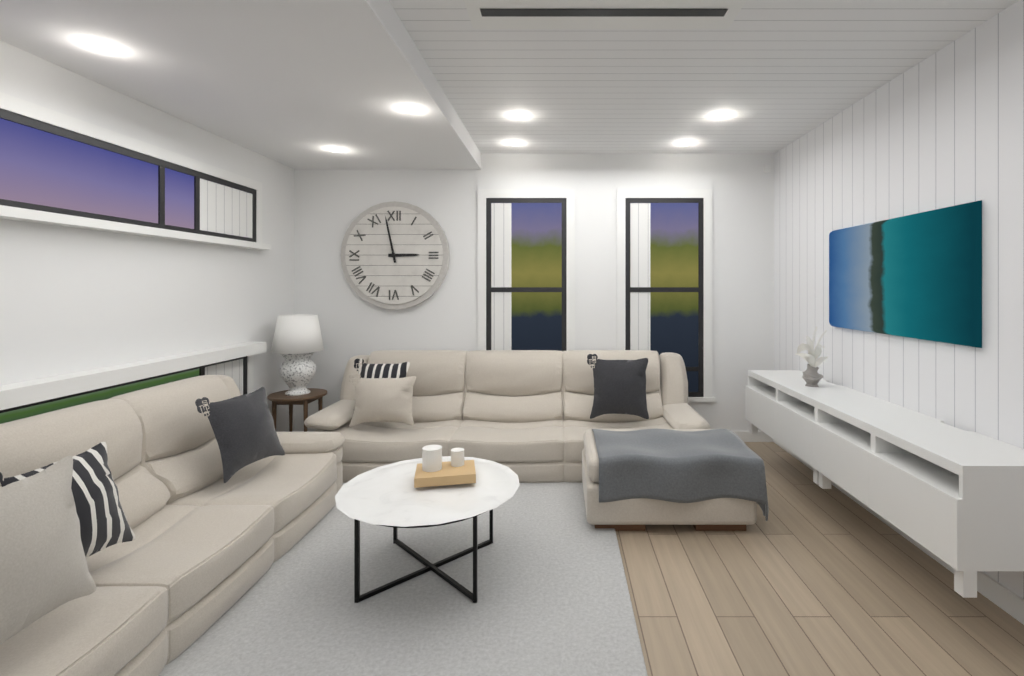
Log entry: h=2 m=58
